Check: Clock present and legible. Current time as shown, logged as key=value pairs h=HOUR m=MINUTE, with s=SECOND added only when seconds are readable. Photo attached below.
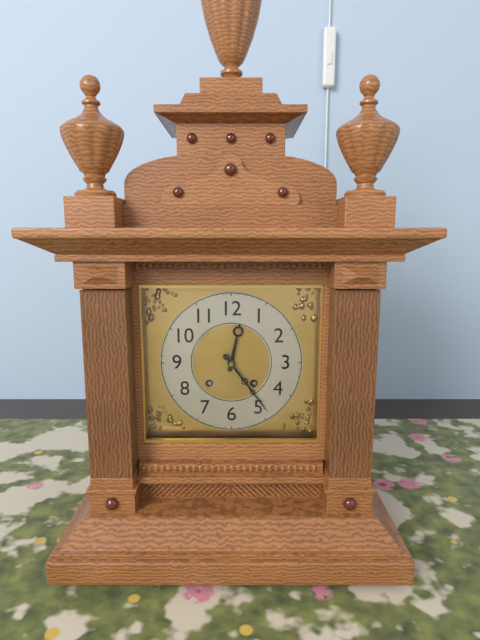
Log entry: h=12 m=24
